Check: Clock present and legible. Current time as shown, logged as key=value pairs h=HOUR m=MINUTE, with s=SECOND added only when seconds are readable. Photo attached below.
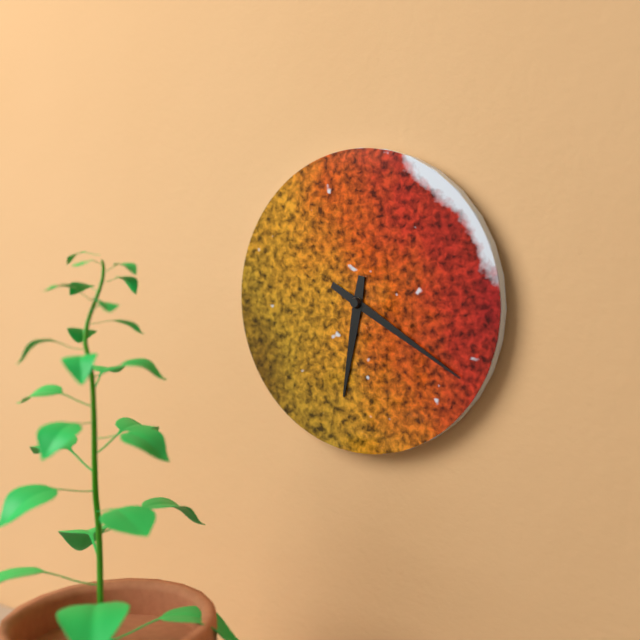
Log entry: h=6 m=20
